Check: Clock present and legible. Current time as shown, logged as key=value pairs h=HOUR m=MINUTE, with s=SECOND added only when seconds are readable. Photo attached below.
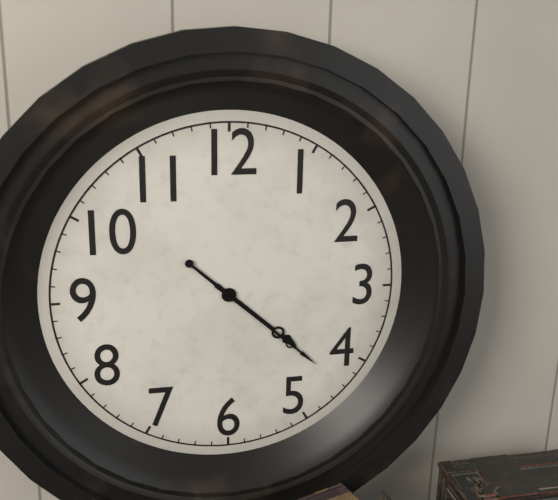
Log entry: h=4 m=22
